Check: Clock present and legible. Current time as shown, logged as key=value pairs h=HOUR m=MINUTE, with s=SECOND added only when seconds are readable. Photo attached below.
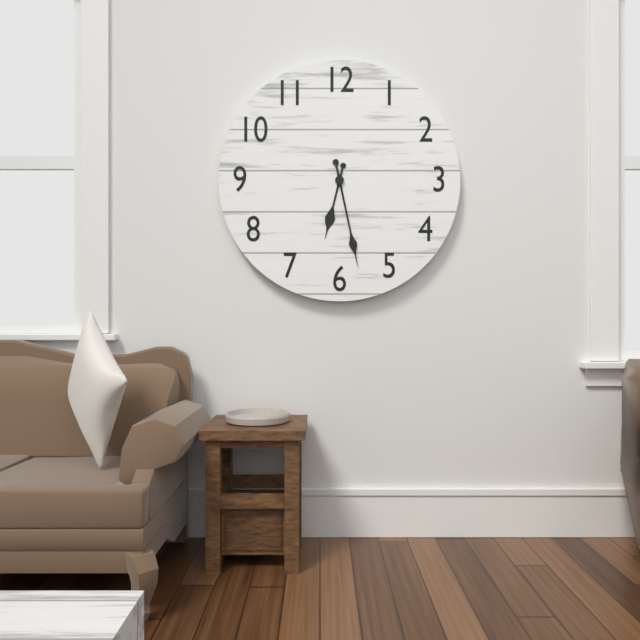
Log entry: h=6 m=28
